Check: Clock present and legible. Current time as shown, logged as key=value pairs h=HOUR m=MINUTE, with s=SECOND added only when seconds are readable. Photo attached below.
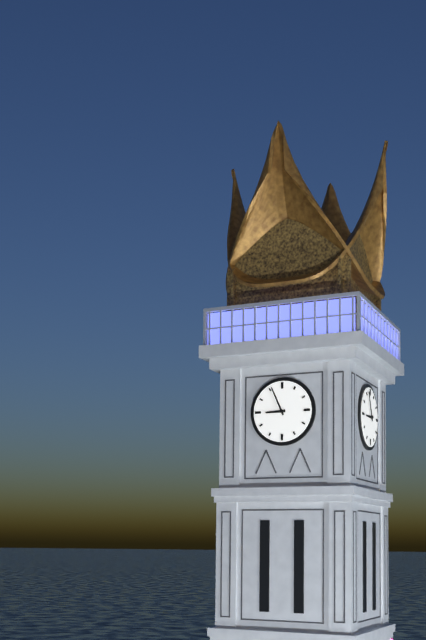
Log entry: h=8 m=56
